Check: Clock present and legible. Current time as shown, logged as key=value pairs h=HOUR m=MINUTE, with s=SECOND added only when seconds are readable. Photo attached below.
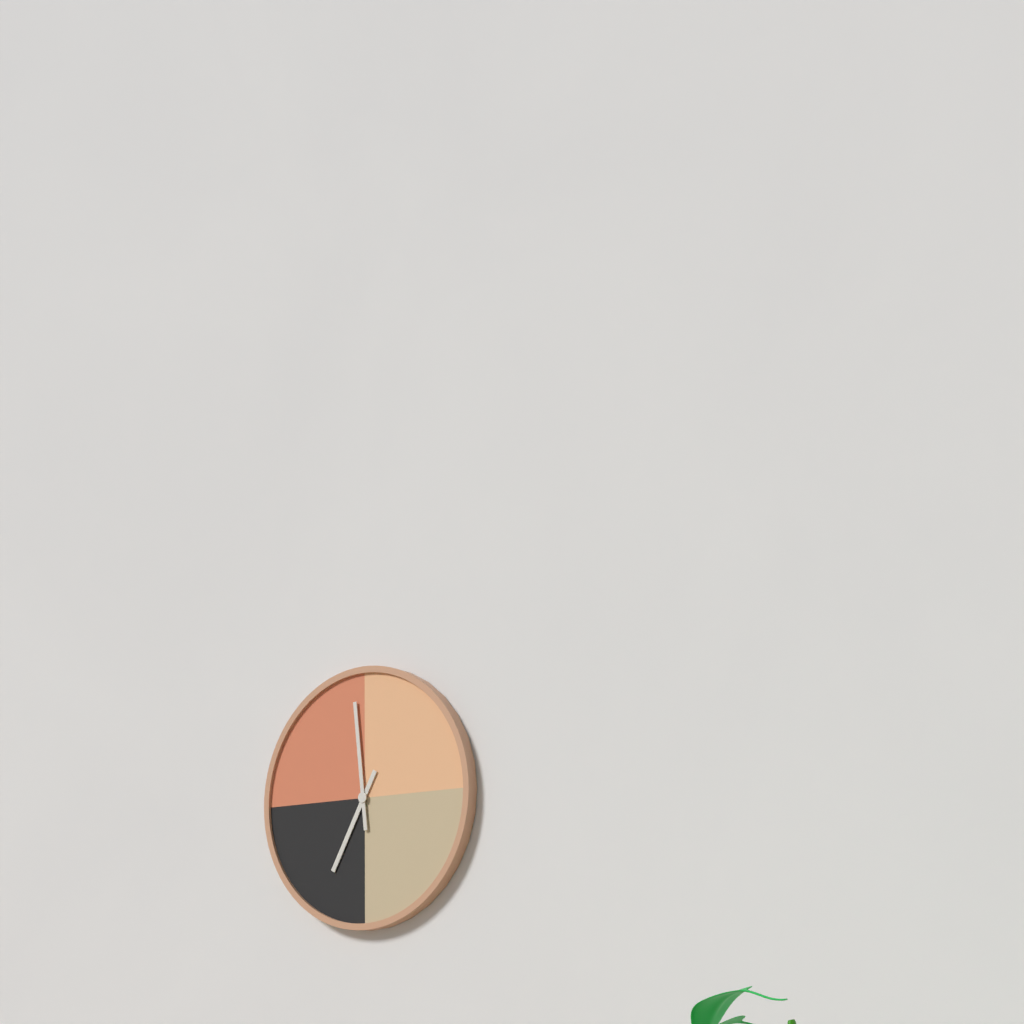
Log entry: h=6 m=59
